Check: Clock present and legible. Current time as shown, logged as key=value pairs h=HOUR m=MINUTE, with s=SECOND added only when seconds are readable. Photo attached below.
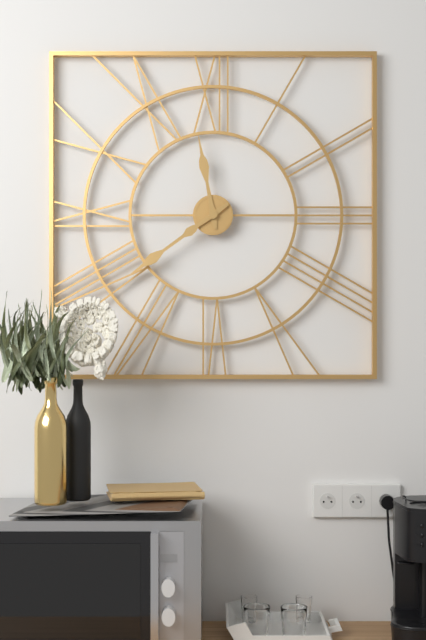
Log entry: h=11 m=39
